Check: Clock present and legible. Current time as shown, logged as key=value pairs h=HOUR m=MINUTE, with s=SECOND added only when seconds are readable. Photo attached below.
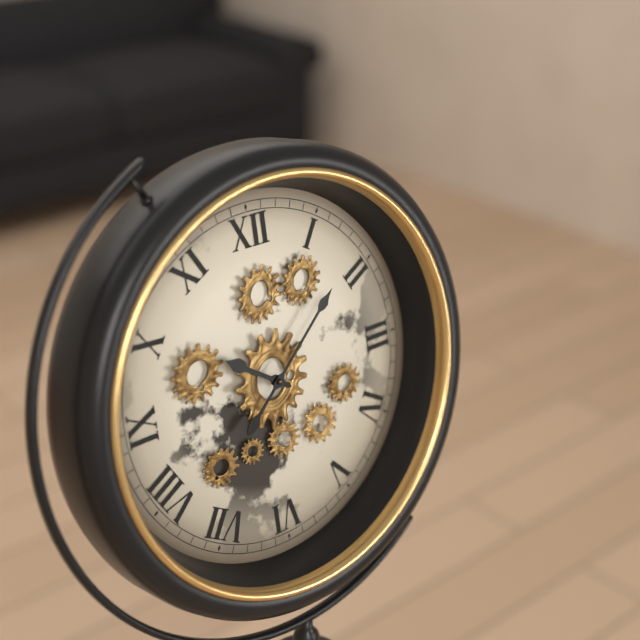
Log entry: h=10 m=8
